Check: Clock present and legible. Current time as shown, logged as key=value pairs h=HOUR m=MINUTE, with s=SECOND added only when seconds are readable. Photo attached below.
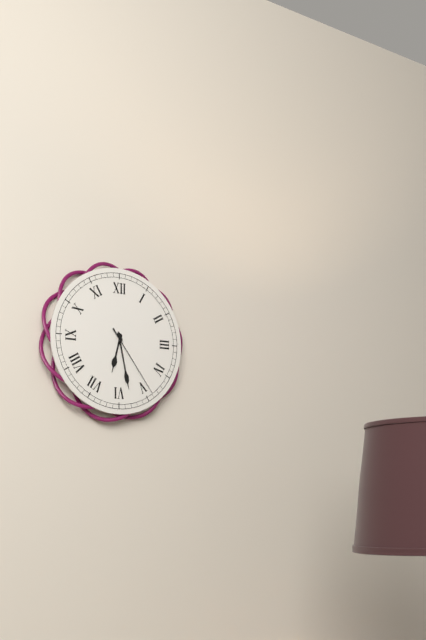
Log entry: h=6 m=28 s=24
